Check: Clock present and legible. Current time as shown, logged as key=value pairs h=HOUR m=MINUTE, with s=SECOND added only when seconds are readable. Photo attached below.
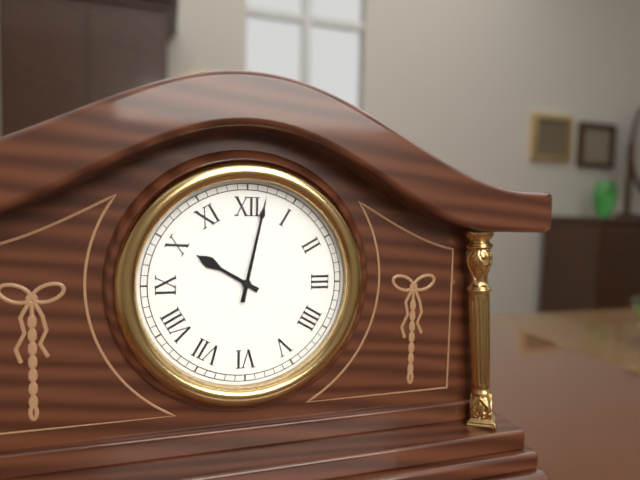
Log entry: h=10 m=2
